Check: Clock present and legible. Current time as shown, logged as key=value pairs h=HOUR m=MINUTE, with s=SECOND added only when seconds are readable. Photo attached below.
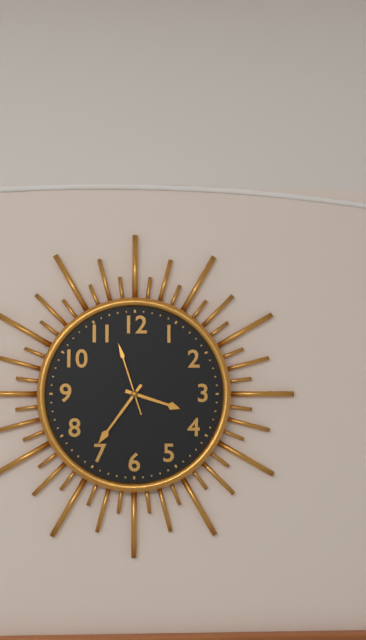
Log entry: h=3 m=36 s=57
